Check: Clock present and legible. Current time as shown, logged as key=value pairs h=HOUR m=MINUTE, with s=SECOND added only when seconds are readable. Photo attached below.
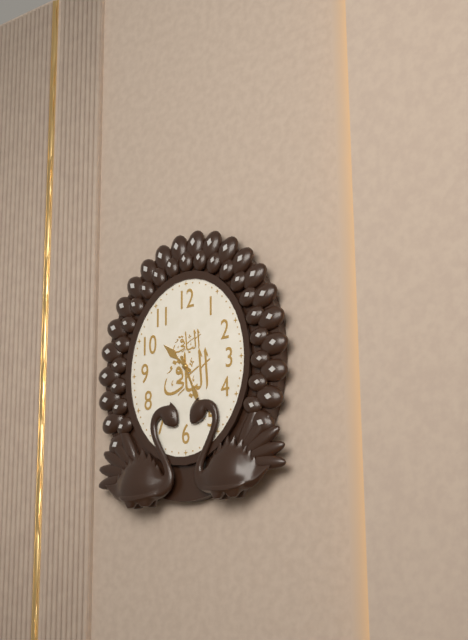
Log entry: h=10 m=26
